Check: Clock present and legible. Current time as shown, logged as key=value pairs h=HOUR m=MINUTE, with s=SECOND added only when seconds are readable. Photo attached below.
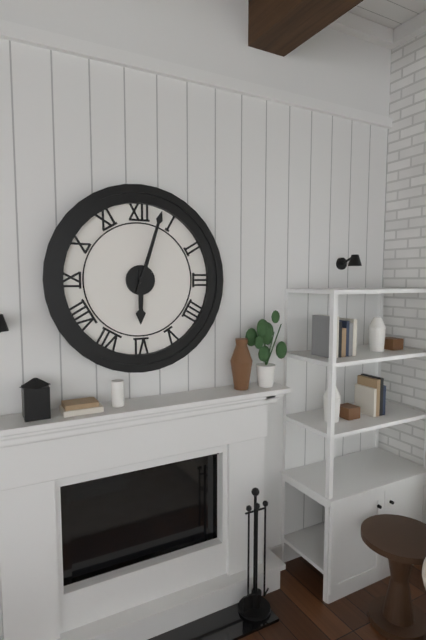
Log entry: h=6 m=3
